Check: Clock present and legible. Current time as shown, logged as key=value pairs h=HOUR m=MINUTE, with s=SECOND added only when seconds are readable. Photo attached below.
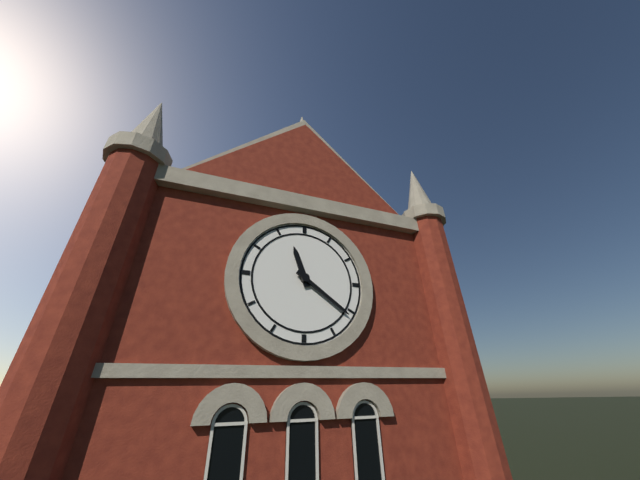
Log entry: h=11 m=21
